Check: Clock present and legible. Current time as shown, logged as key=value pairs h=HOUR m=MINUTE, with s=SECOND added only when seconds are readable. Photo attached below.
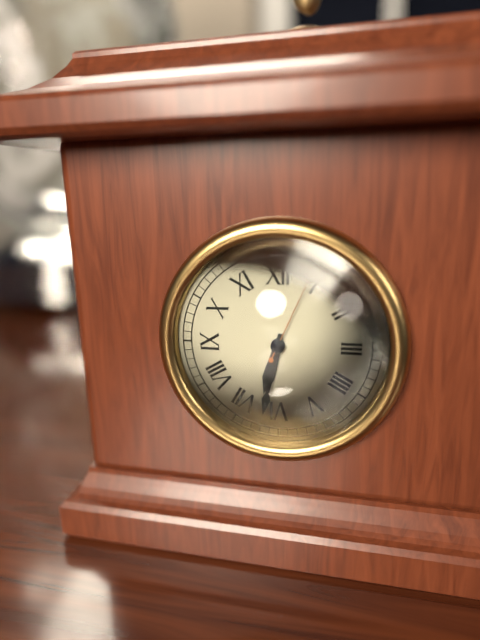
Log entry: h=6 m=32 s=4
